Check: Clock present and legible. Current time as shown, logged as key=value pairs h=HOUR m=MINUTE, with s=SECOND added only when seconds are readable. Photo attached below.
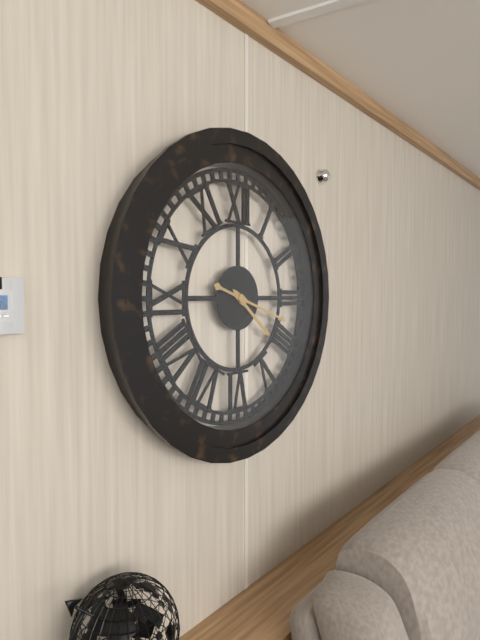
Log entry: h=4 m=18
